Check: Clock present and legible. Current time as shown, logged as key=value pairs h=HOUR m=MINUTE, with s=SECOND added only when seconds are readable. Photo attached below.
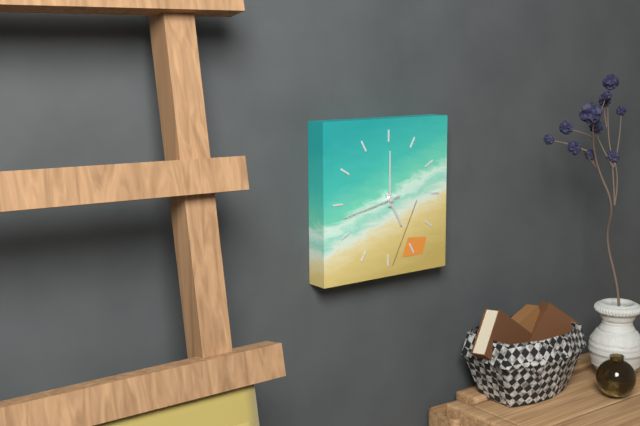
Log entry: h=5 m=0
